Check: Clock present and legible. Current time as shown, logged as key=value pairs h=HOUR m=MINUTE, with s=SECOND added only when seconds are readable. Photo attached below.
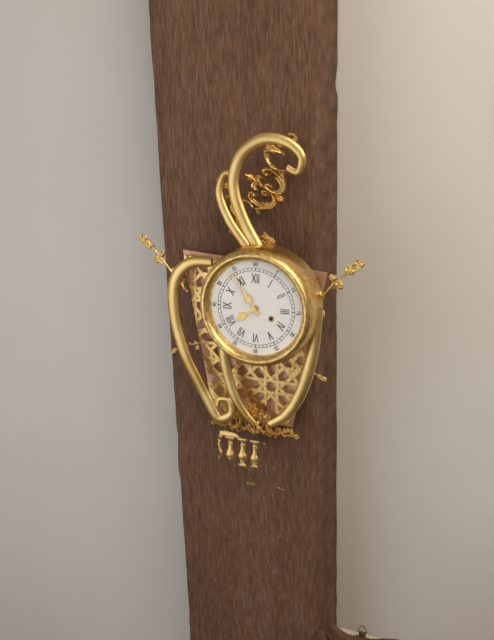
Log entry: h=7 m=54
